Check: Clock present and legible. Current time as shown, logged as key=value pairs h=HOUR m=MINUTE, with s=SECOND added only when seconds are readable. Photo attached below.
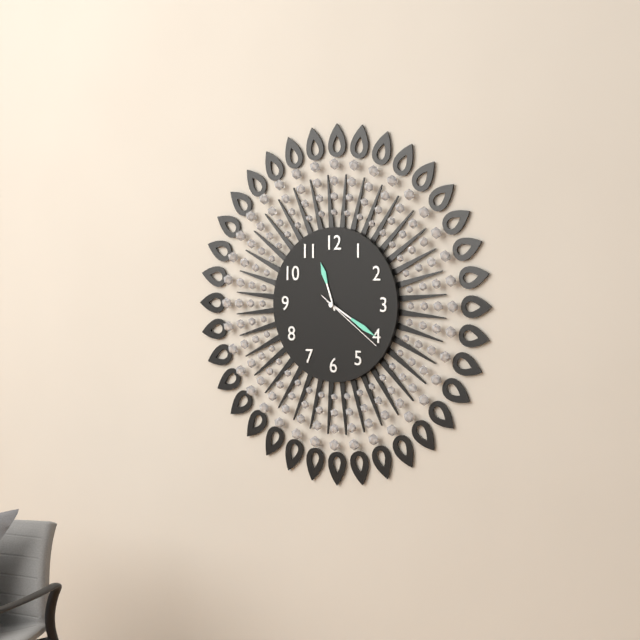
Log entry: h=11 m=20 s=21
